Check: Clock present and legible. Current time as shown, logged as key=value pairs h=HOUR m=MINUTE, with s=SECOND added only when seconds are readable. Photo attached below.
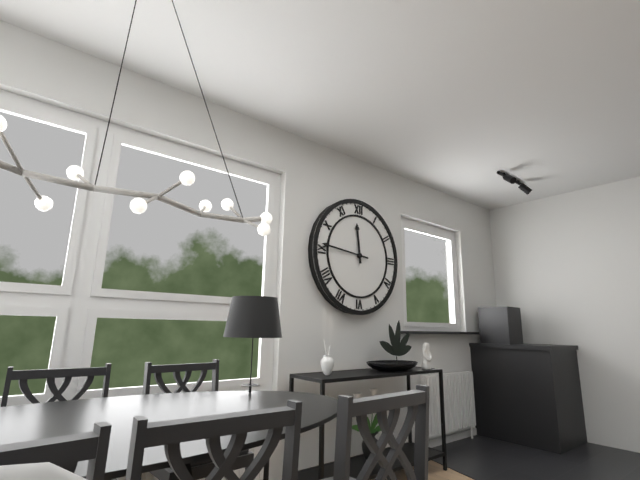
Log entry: h=11 m=46
